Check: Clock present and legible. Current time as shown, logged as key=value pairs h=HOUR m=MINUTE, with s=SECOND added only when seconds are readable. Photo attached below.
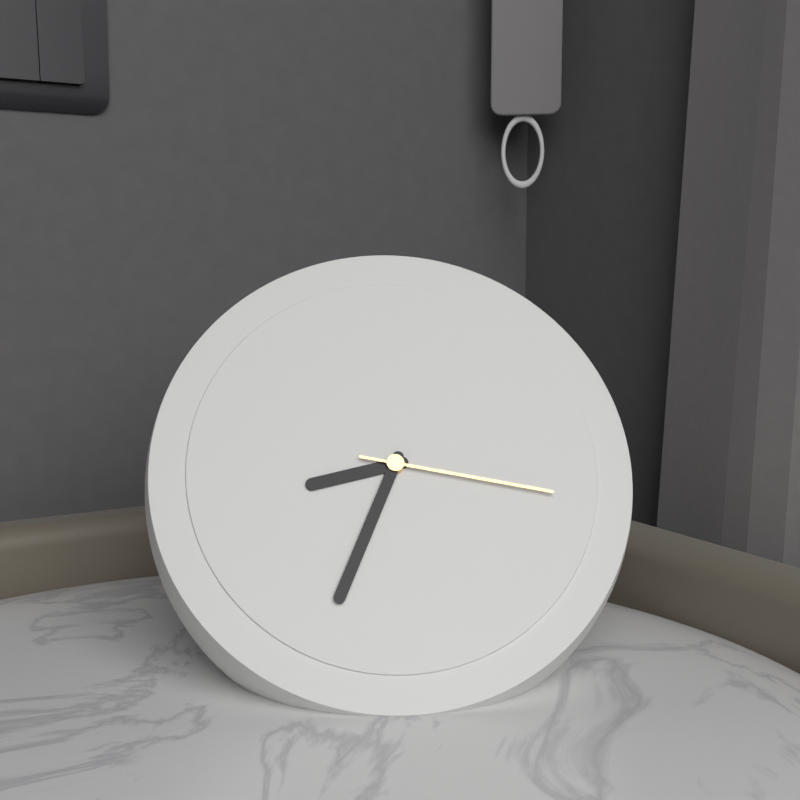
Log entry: h=8 m=34 s=17
